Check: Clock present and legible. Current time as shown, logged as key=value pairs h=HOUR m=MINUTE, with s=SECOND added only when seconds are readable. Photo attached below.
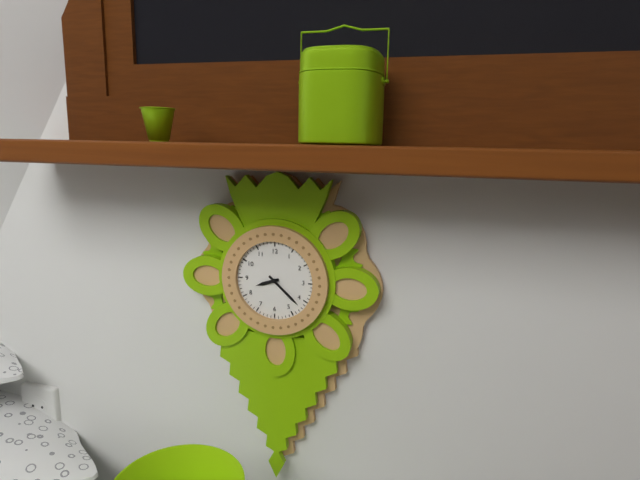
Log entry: h=8 m=22
